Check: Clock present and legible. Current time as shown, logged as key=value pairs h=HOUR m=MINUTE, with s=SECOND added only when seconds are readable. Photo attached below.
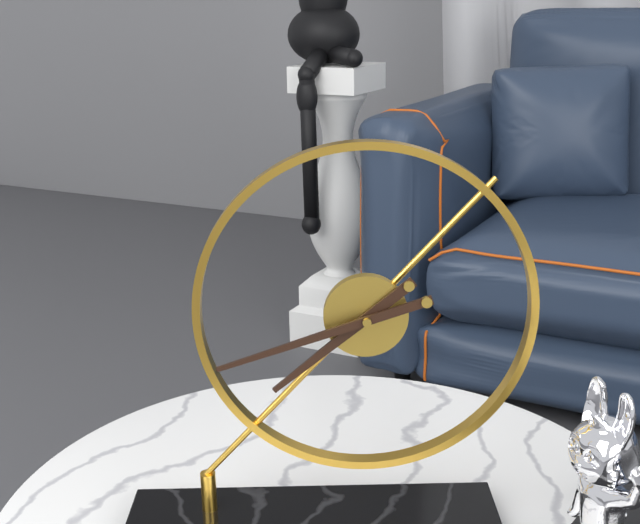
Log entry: h=7 m=42
